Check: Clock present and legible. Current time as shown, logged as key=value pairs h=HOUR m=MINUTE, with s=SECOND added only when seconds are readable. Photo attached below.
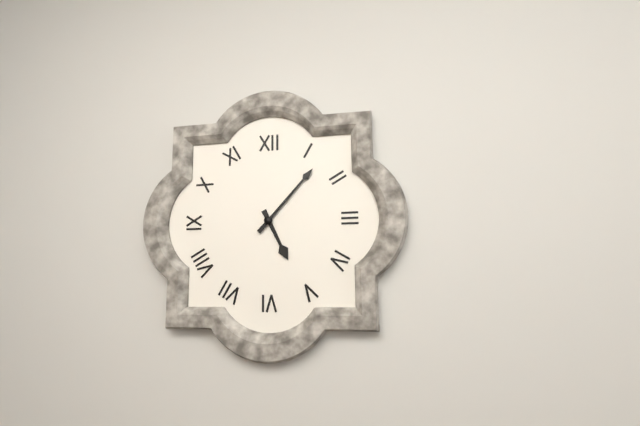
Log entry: h=5 m=7
